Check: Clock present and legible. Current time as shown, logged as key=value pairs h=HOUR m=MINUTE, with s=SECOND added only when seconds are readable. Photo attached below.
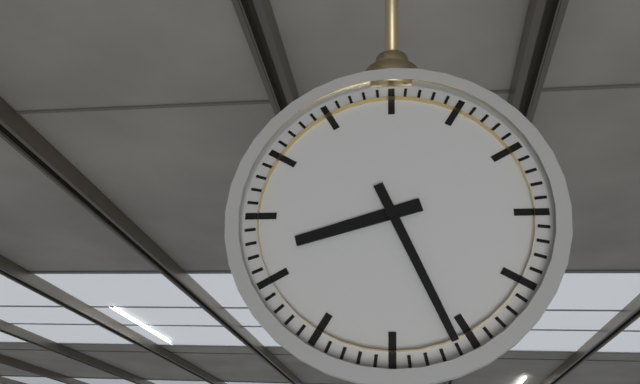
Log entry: h=8 m=26
